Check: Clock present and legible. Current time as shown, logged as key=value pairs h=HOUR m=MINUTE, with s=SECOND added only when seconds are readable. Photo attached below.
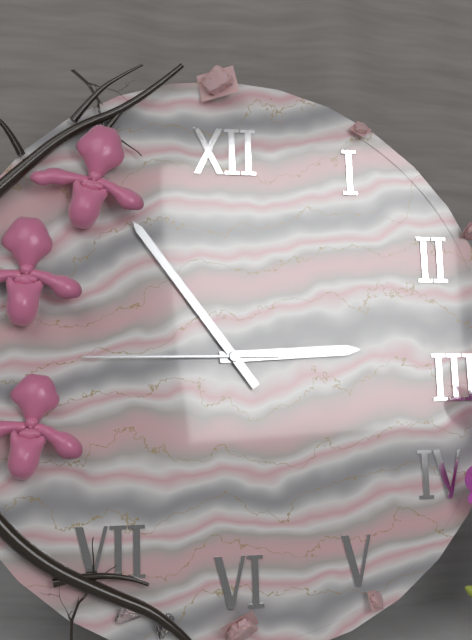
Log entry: h=2 m=54 s=45
